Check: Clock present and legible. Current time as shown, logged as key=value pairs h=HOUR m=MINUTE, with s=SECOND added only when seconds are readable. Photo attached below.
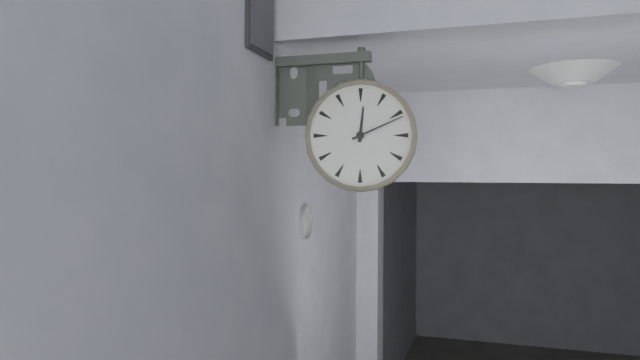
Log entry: h=12 m=11
